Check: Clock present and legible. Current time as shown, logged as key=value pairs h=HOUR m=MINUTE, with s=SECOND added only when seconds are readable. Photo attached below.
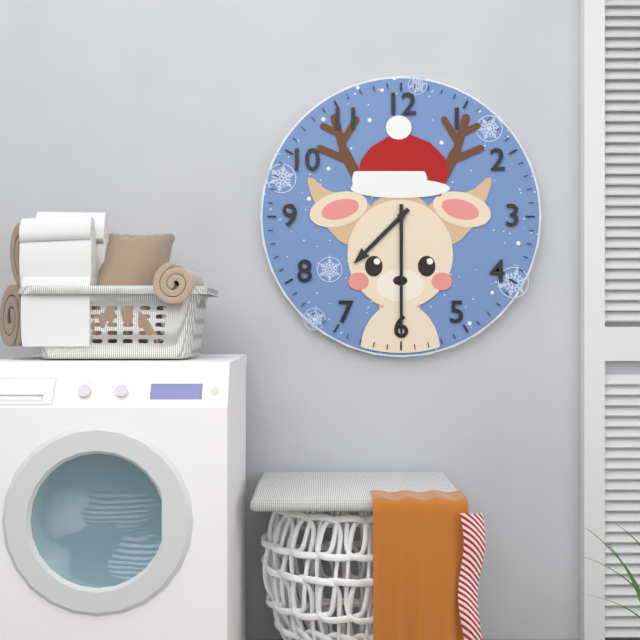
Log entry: h=7 m=30
